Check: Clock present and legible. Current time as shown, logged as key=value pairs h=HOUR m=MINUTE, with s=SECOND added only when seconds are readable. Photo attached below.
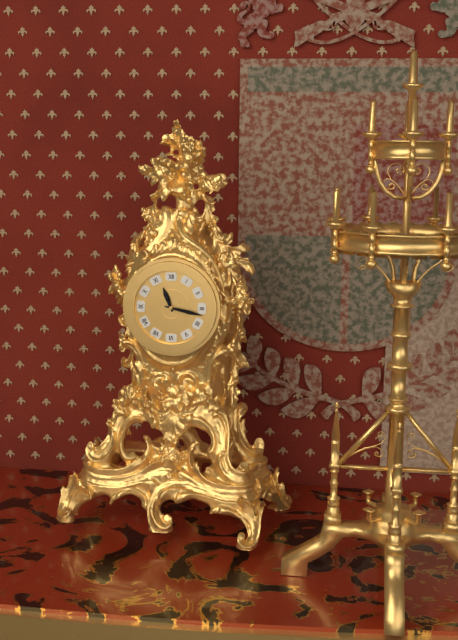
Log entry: h=11 m=17
